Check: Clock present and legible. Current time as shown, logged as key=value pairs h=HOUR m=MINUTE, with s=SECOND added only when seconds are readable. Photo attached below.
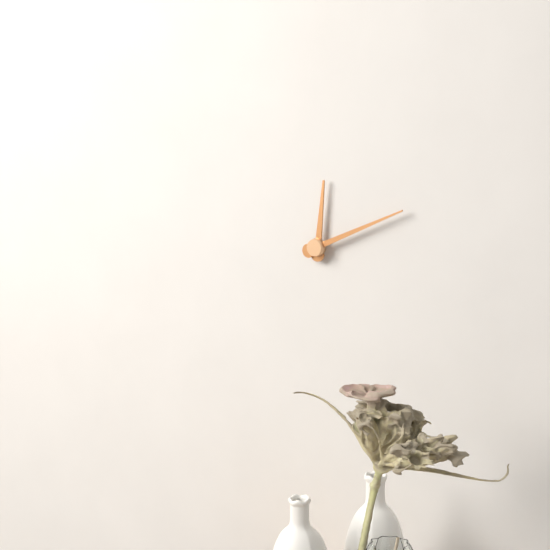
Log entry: h=12 m=11
